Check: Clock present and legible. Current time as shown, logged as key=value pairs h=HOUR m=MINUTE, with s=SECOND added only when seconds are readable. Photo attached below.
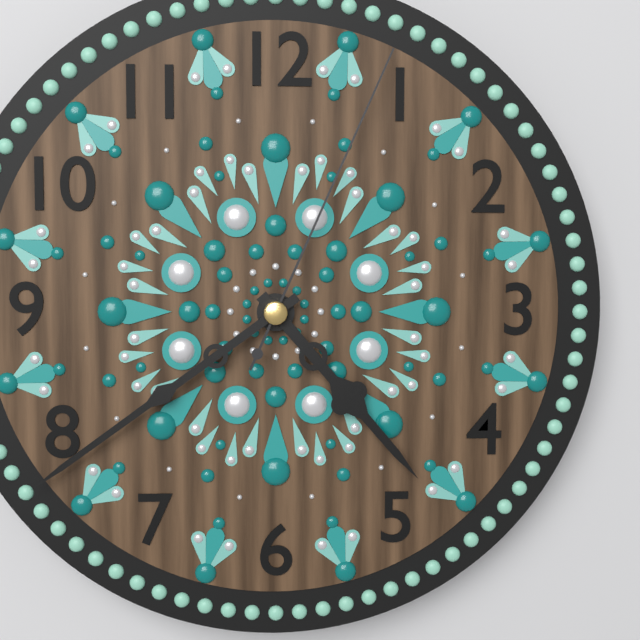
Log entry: h=4 m=39 s=4
